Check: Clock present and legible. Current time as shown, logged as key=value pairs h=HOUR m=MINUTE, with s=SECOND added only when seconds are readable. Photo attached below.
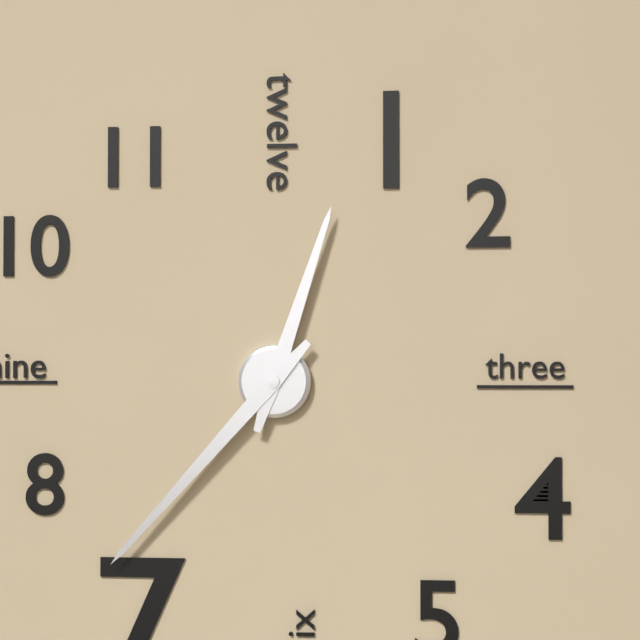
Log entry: h=12 m=37
